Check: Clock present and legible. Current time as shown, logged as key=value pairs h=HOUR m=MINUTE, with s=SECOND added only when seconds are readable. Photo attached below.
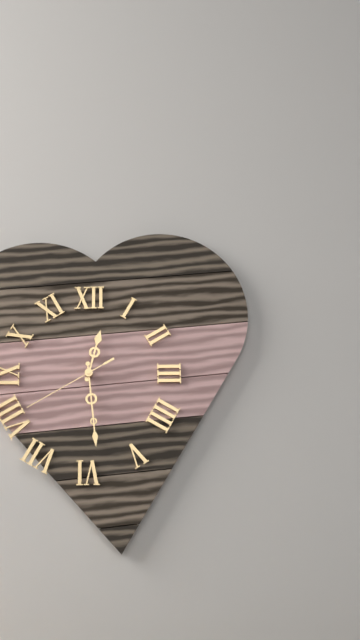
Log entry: h=12 m=29 s=40
